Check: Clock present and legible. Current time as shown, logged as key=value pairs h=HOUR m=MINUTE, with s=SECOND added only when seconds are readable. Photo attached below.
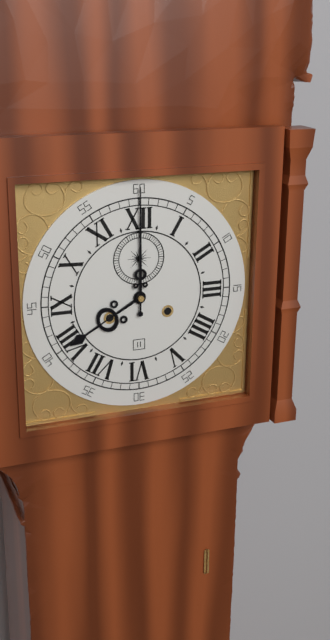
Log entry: h=8 m=0
